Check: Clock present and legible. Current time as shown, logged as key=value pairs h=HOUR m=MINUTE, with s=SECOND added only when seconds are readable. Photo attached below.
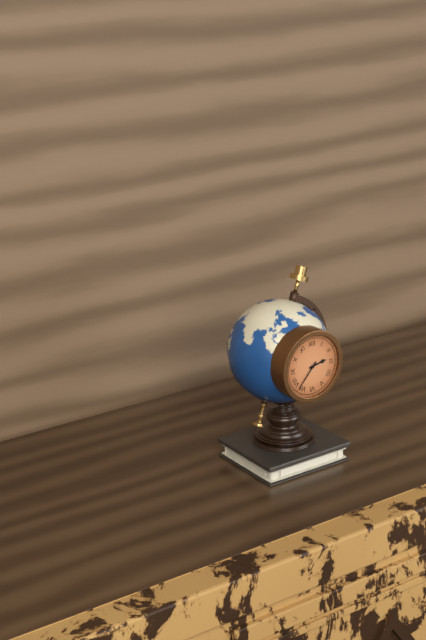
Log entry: h=2 m=37
